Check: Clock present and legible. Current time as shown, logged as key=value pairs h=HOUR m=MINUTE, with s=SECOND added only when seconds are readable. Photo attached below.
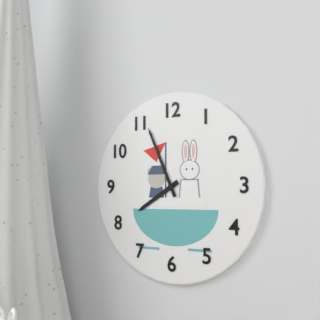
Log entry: h=7 m=56
